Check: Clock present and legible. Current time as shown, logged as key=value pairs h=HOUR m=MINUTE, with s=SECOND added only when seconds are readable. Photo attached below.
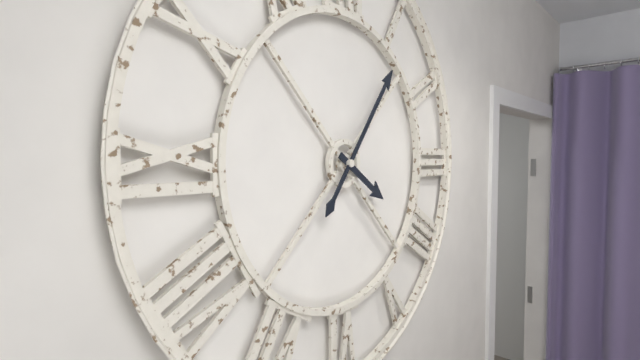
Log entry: h=4 m=6
